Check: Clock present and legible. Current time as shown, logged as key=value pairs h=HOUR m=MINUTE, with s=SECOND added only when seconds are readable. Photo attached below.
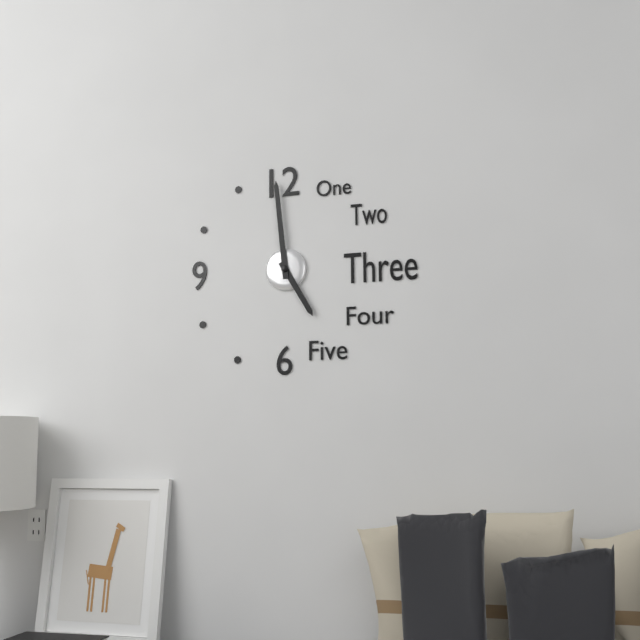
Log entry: h=4 m=59
